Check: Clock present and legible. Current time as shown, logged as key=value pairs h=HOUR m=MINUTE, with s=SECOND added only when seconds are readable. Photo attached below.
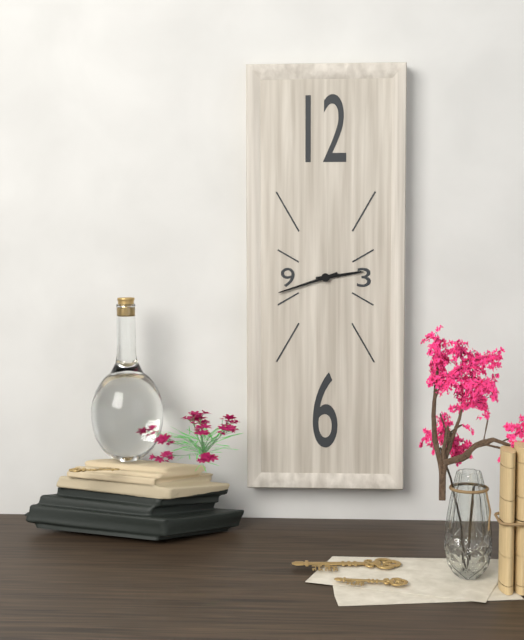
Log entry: h=2 m=42
